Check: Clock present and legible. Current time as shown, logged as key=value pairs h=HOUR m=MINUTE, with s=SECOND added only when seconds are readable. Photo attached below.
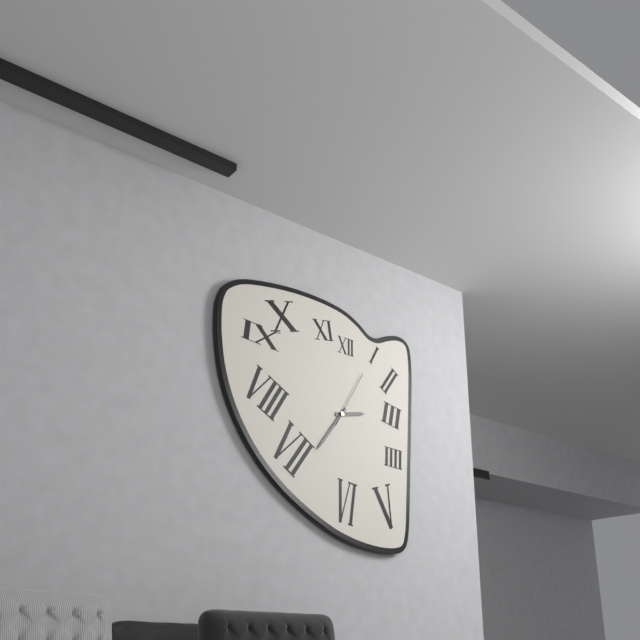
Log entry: h=2 m=36 s=5
